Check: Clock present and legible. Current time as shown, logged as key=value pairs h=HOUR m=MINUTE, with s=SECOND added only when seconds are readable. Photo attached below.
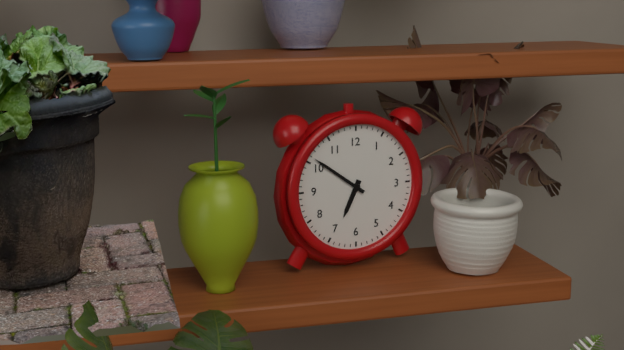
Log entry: h=6 m=51
